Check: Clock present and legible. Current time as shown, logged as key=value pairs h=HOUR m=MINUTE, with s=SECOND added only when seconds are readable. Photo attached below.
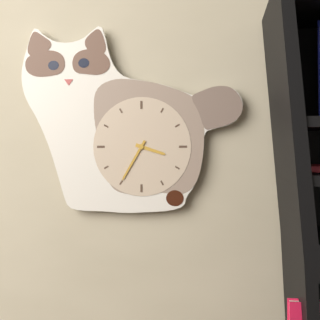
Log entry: h=3 m=35
